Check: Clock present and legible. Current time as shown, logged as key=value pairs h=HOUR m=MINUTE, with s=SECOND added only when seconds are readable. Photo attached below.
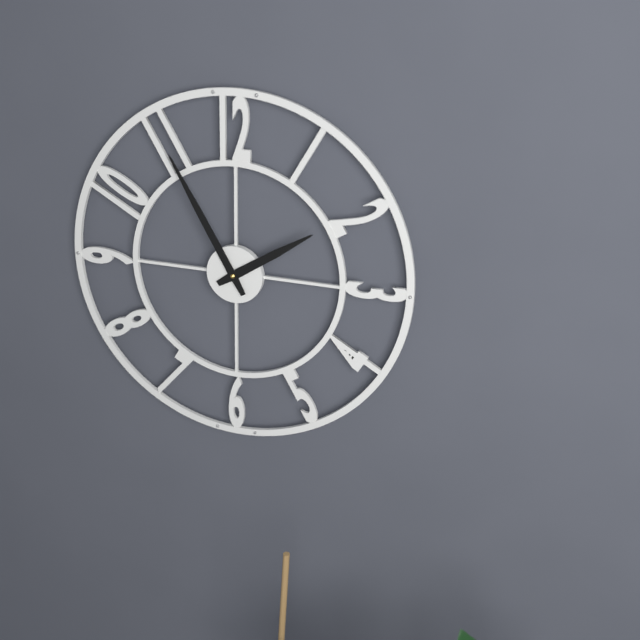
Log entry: h=1 m=55
